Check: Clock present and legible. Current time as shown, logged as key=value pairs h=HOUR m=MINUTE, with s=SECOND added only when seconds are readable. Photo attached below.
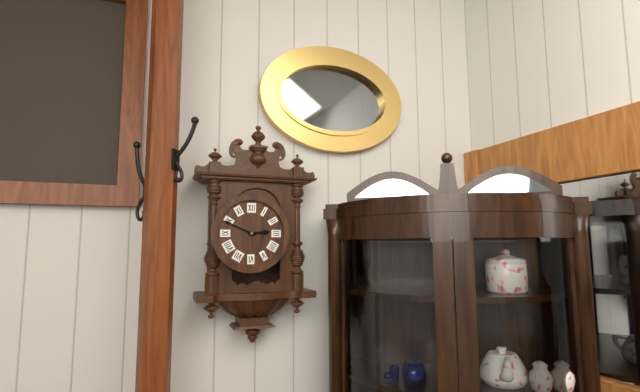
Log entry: h=2 m=49
